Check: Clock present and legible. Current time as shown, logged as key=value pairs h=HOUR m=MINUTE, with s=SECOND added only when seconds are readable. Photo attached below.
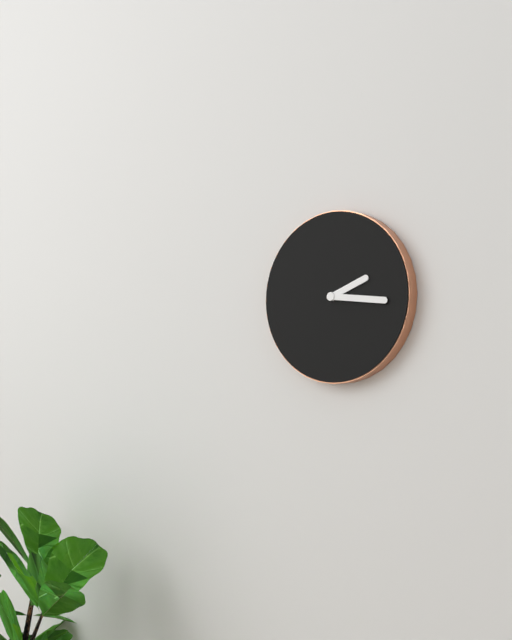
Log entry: h=2 m=16
